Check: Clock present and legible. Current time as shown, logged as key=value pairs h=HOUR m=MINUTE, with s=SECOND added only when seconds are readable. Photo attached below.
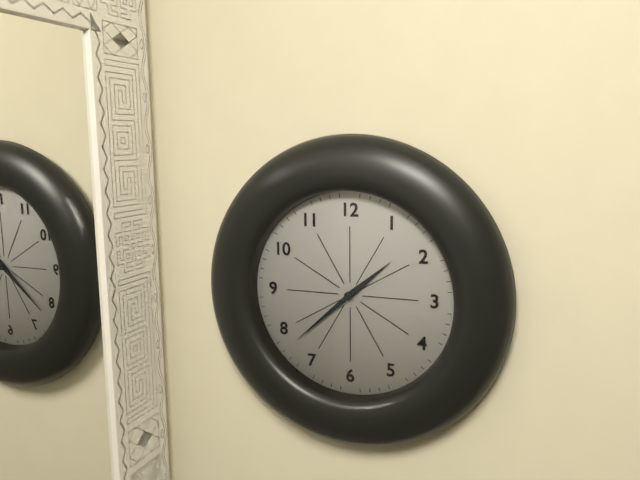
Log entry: h=1 m=38
